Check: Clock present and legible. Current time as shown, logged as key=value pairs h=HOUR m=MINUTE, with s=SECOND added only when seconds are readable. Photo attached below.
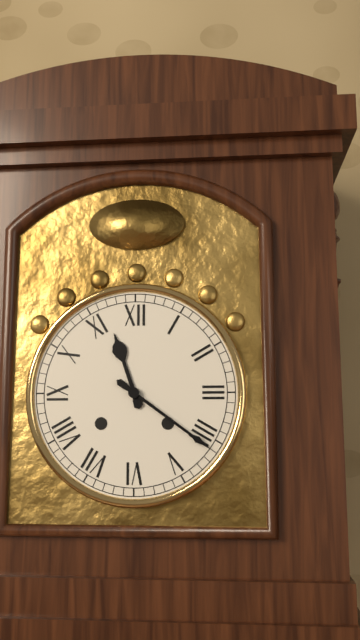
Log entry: h=11 m=21
